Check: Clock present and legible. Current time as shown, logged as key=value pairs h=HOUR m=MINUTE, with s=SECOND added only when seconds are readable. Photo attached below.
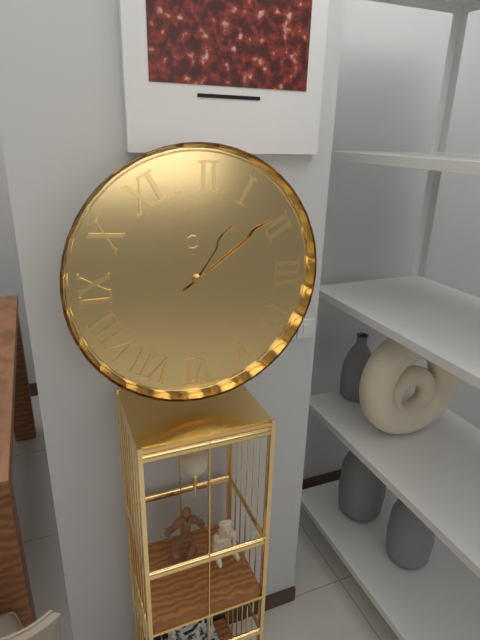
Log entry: h=1 m=9
